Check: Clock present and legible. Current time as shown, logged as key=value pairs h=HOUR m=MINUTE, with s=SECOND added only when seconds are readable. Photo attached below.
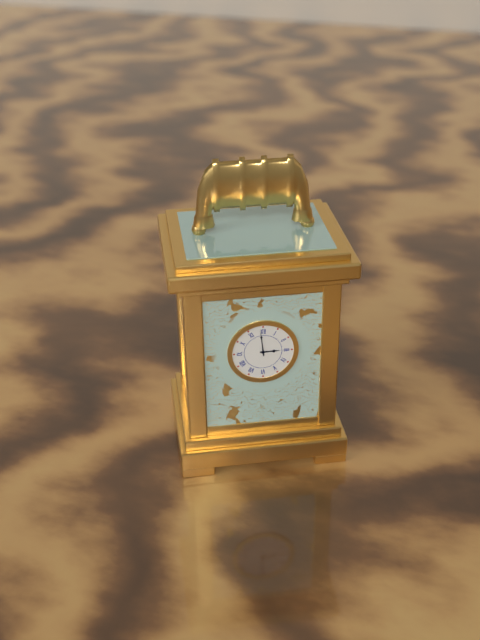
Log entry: h=2 m=59
